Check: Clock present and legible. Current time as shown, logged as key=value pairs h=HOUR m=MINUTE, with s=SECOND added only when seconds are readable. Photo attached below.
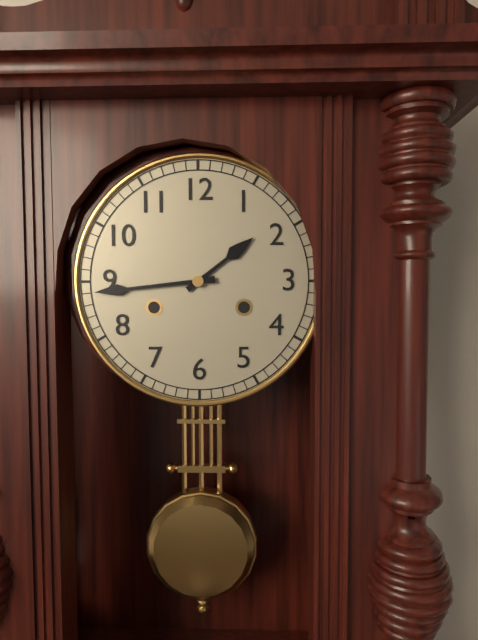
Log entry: h=1 m=44
